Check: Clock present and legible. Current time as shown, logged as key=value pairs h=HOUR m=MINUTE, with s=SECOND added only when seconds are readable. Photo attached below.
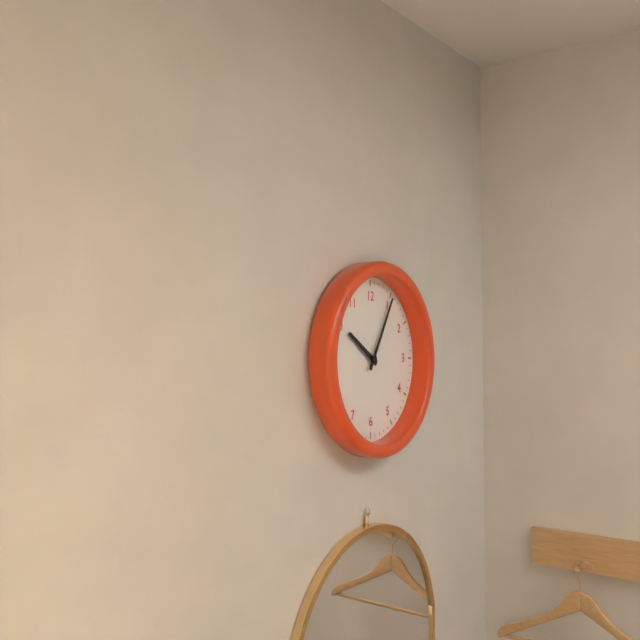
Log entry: h=10 m=5
